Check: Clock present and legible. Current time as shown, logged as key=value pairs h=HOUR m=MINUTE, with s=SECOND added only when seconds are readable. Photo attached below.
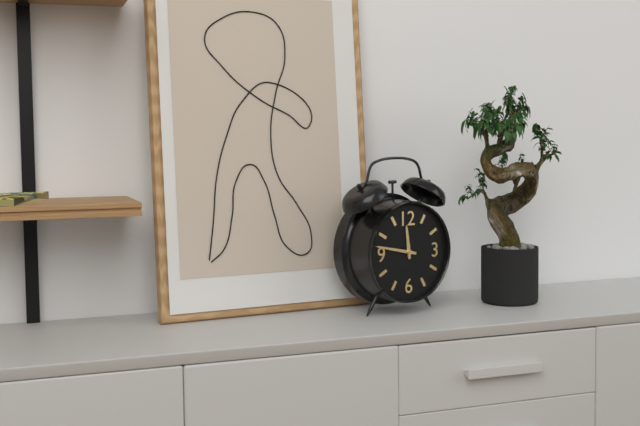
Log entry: h=11 m=47
